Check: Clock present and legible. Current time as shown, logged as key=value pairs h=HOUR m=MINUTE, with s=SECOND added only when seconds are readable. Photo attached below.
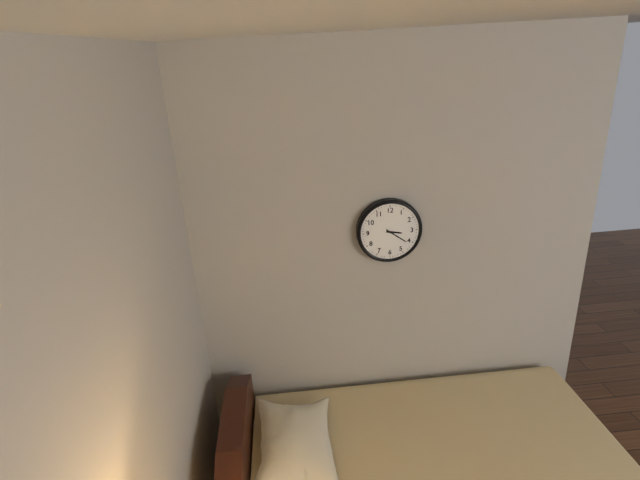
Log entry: h=3 m=21
